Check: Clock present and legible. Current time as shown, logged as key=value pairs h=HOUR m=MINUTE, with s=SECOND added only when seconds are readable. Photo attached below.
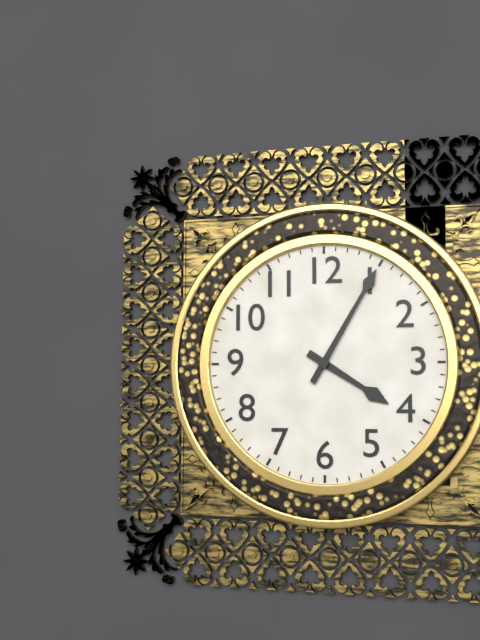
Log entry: h=4 m=5
